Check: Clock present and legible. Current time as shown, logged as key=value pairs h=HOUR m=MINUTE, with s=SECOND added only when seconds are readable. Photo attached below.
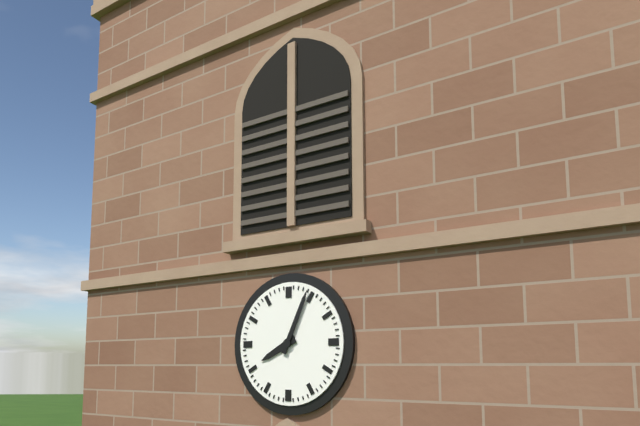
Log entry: h=8 m=4
